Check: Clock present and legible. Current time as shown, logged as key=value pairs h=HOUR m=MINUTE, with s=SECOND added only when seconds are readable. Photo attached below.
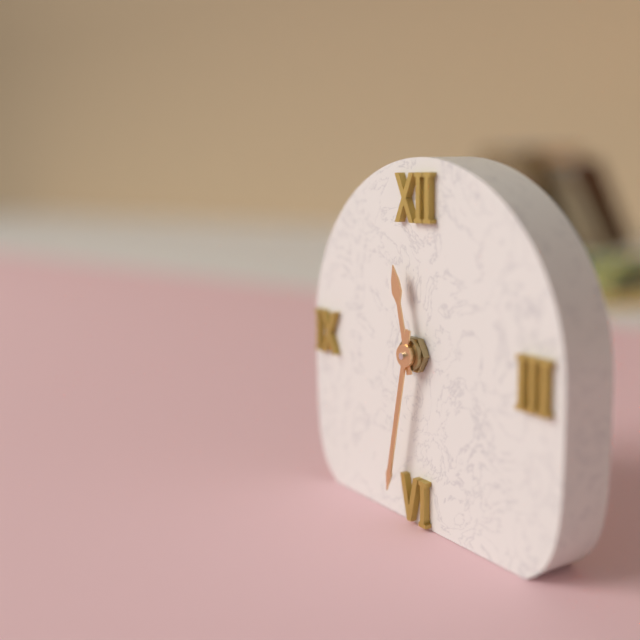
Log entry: h=11 m=32
